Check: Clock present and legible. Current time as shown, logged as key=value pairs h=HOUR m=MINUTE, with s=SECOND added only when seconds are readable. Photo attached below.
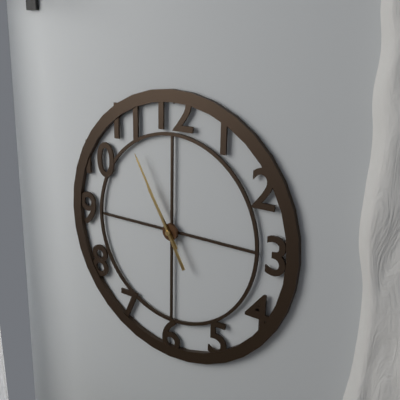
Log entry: h=10 m=55
